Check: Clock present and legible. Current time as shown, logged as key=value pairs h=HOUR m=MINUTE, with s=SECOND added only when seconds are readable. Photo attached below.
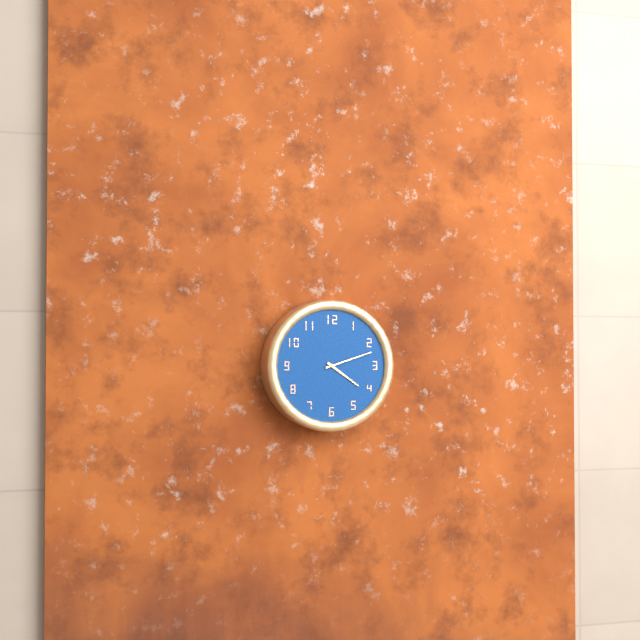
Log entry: h=4 m=12
